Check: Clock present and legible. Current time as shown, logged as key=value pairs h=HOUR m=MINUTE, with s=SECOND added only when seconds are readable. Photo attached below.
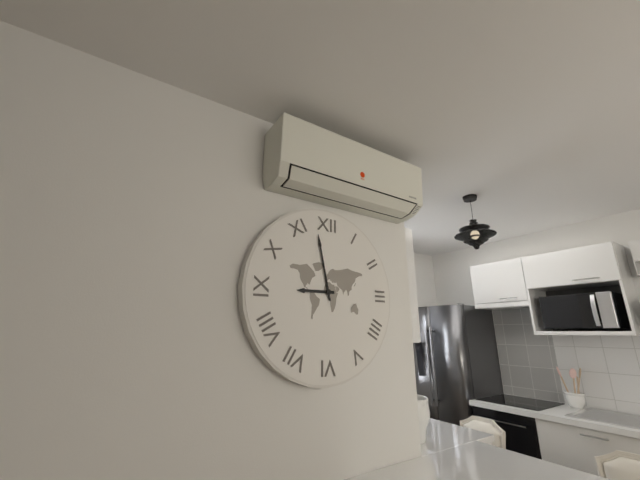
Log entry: h=8 m=58
